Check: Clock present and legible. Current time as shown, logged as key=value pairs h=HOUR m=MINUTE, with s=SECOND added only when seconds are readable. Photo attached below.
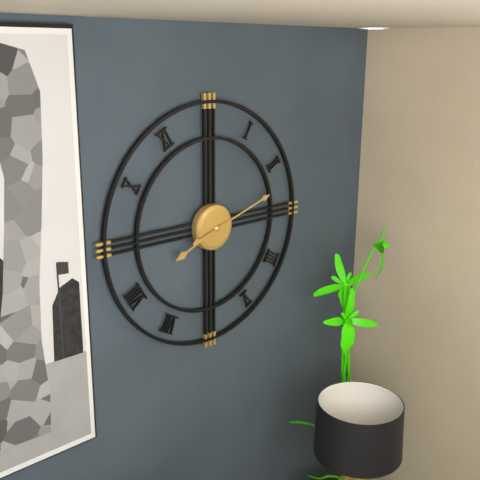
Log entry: h=8 m=12
